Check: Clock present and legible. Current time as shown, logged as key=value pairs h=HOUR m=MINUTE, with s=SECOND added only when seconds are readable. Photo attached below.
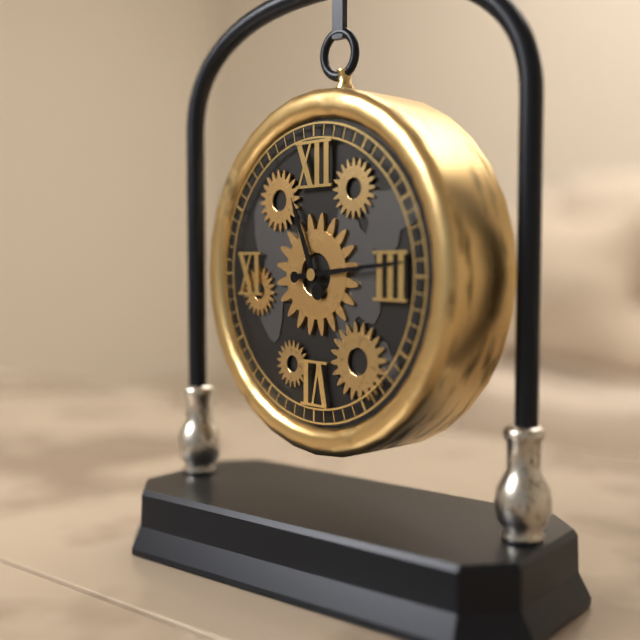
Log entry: h=11 m=14
